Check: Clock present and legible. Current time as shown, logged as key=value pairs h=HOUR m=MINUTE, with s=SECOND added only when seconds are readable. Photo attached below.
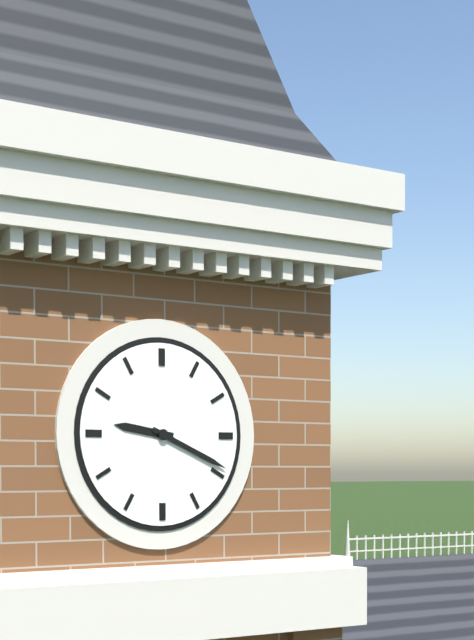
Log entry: h=9 m=19
